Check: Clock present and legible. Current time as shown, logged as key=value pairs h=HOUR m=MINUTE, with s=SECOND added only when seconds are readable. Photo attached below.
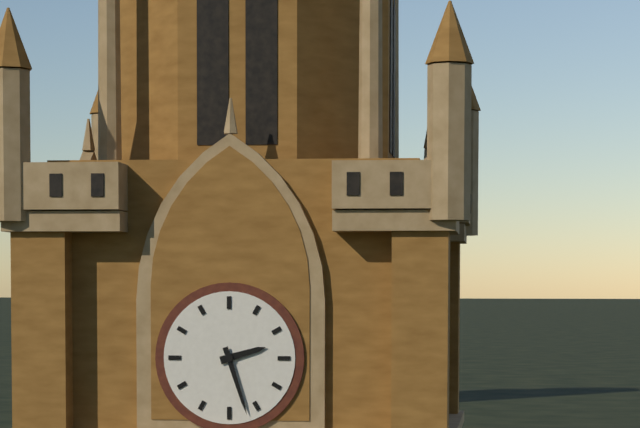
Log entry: h=2 m=27
